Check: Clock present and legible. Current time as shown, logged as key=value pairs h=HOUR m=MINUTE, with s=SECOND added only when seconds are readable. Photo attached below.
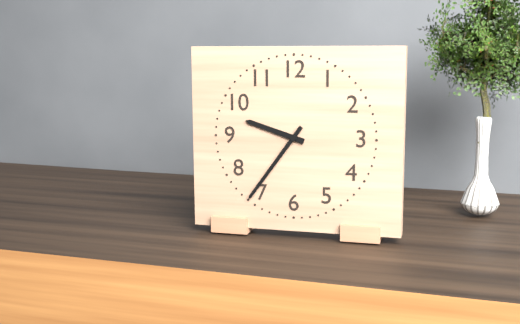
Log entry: h=9 m=36
